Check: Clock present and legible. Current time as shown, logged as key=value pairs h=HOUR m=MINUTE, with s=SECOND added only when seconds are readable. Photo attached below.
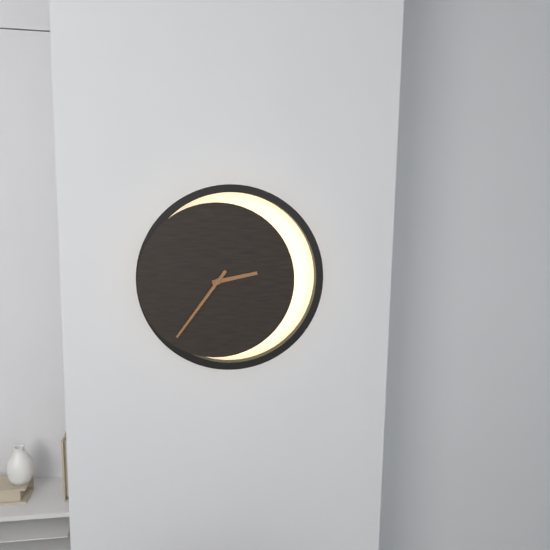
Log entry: h=2 m=36
